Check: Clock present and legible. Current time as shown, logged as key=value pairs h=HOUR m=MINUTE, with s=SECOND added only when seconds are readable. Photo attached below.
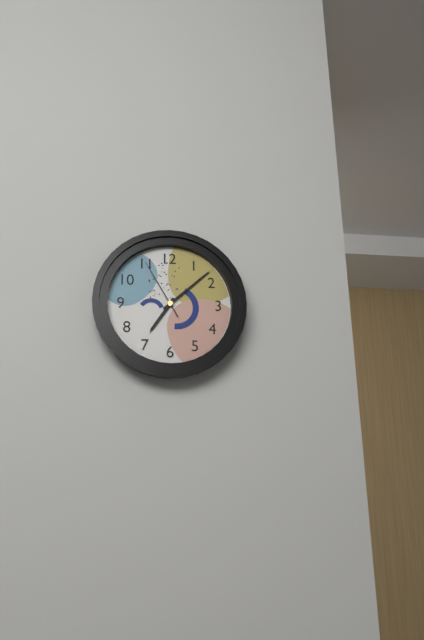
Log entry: h=7 m=8 s=55
